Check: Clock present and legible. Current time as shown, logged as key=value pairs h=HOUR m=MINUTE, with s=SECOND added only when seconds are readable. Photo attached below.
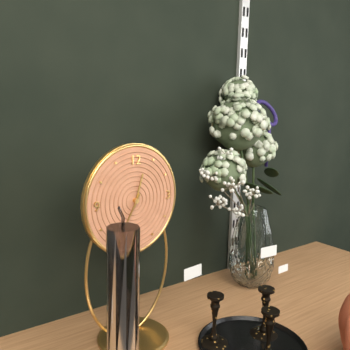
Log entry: h=12 m=35
